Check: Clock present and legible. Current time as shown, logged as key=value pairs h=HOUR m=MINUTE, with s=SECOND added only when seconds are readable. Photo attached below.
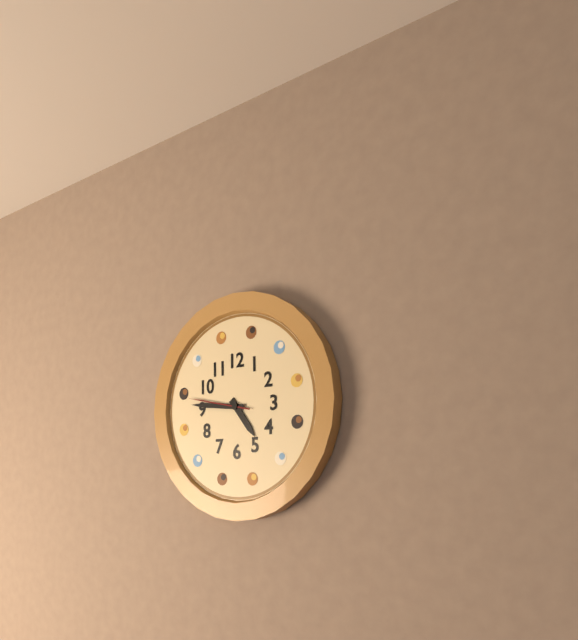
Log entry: h=4 m=46 s=47
